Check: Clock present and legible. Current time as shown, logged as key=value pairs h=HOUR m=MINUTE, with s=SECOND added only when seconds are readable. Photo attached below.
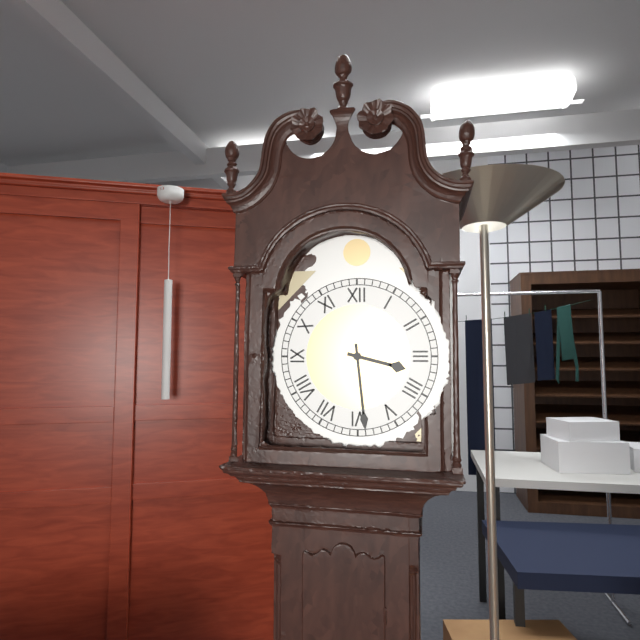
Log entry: h=3 m=29
